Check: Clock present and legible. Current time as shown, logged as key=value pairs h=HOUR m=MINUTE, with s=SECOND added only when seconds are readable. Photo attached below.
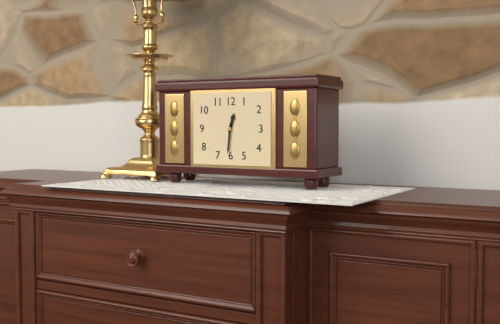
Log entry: h=12 m=31
